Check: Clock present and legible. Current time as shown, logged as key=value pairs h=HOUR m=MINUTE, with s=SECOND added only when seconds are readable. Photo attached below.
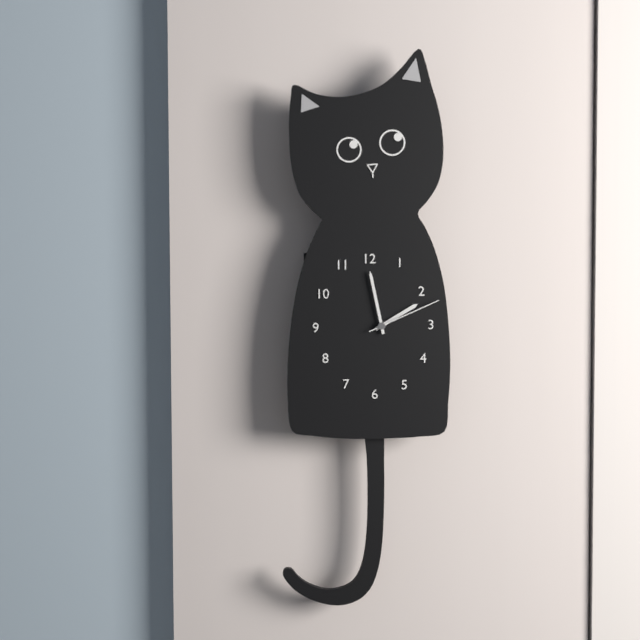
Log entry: h=1 m=58 s=11
